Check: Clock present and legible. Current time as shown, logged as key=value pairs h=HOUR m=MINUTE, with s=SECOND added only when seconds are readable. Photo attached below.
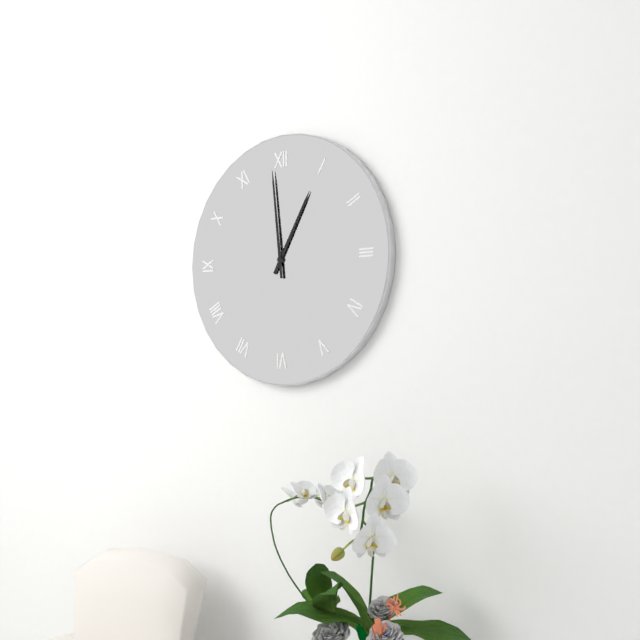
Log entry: h=12 m=59
